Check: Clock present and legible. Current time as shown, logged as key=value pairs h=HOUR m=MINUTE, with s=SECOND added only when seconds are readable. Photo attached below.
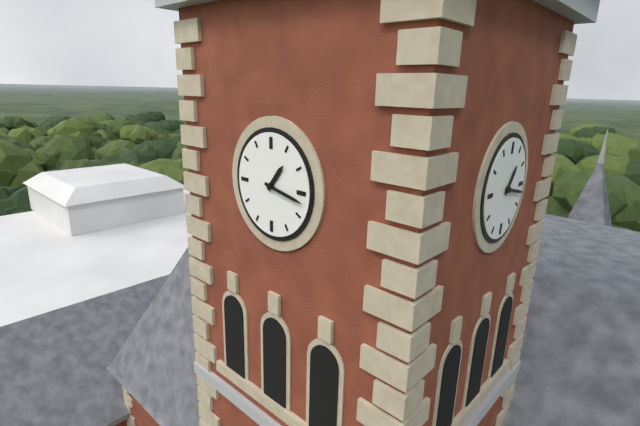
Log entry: h=1 m=17
